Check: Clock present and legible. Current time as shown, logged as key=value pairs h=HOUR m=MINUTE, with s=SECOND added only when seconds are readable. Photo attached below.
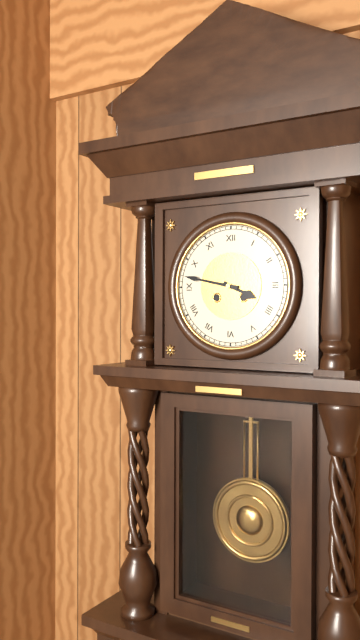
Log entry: h=3 m=47
